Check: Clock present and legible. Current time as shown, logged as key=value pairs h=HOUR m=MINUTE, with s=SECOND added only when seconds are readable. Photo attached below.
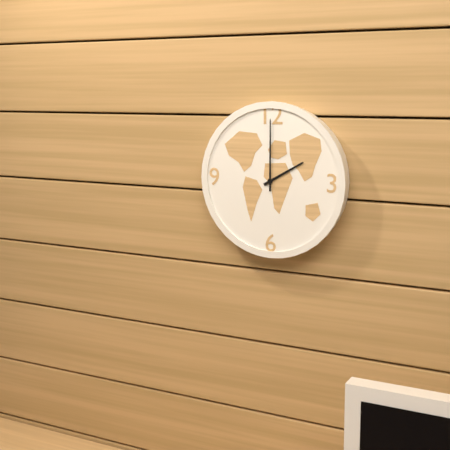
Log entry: h=2 m=0
